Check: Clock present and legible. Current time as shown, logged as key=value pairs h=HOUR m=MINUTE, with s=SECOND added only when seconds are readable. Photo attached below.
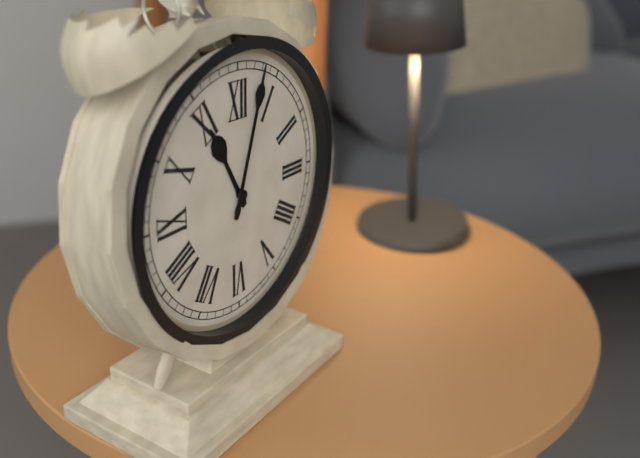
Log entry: h=11 m=3
